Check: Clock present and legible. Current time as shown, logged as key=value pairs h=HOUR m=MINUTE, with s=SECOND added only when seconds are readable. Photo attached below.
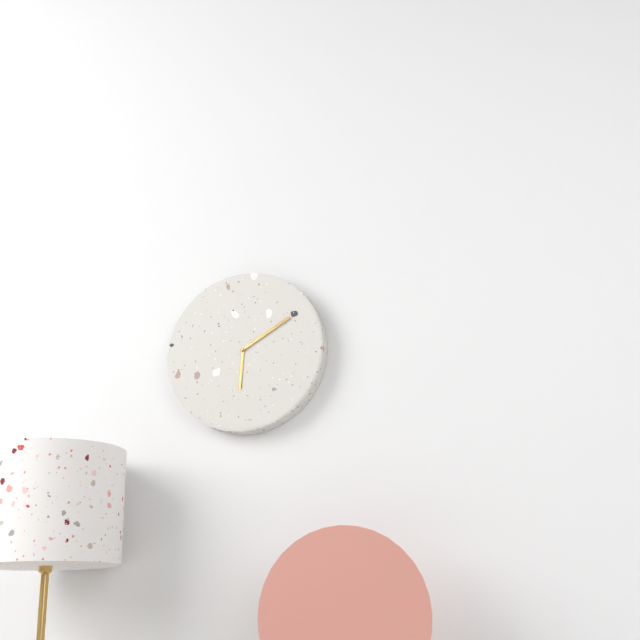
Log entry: h=6 m=10
